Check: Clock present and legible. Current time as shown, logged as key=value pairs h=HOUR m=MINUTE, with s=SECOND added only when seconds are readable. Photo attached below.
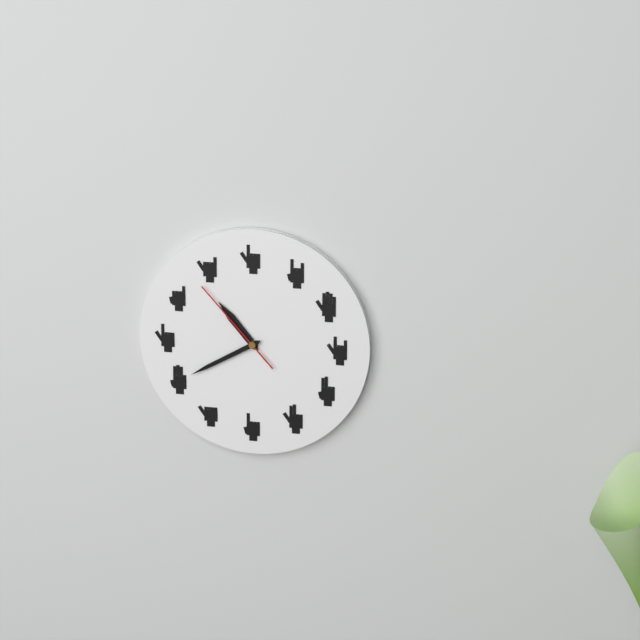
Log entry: h=10 m=40 s=53
